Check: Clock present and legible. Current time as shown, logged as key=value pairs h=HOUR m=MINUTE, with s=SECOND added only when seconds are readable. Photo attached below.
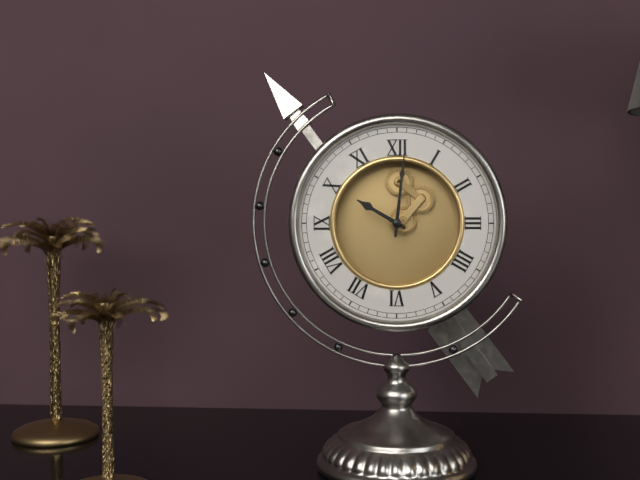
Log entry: h=10 m=1
